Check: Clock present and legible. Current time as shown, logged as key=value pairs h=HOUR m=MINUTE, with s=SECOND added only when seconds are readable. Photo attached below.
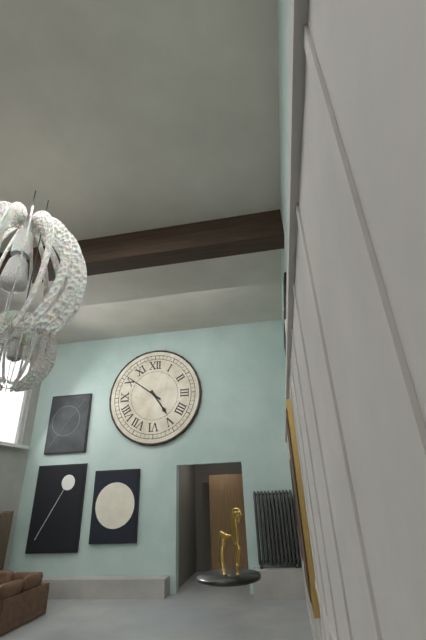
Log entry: h=4 m=51
